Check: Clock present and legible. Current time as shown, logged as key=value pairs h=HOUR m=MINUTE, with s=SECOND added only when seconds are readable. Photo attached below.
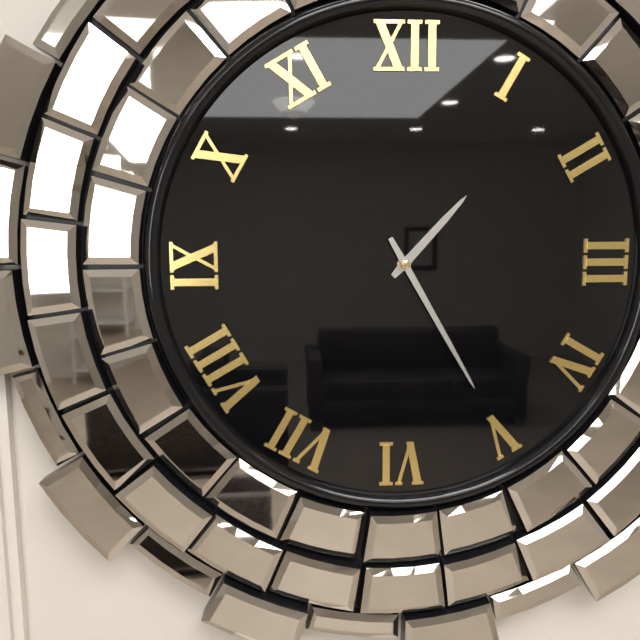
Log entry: h=1 m=25
